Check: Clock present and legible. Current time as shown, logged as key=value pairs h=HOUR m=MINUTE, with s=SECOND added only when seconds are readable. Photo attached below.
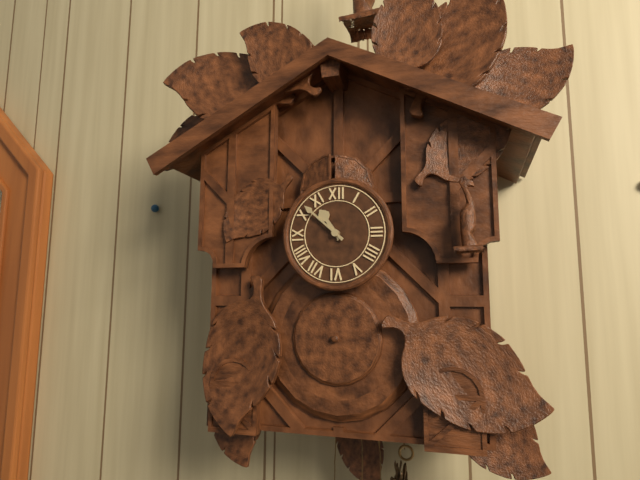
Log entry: h=10 m=52
